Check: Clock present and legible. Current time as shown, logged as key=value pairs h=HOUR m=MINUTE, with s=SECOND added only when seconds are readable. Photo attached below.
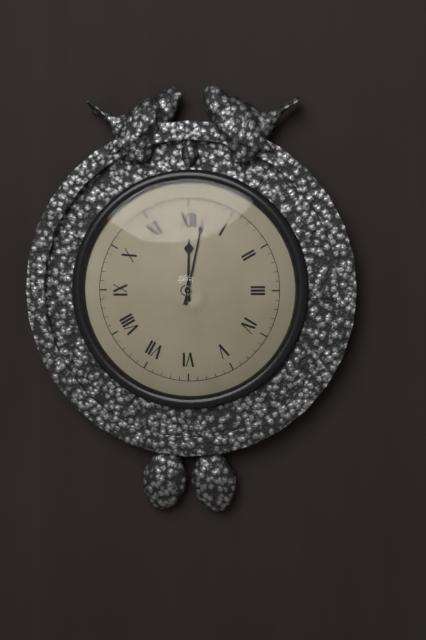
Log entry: h=12 m=2
